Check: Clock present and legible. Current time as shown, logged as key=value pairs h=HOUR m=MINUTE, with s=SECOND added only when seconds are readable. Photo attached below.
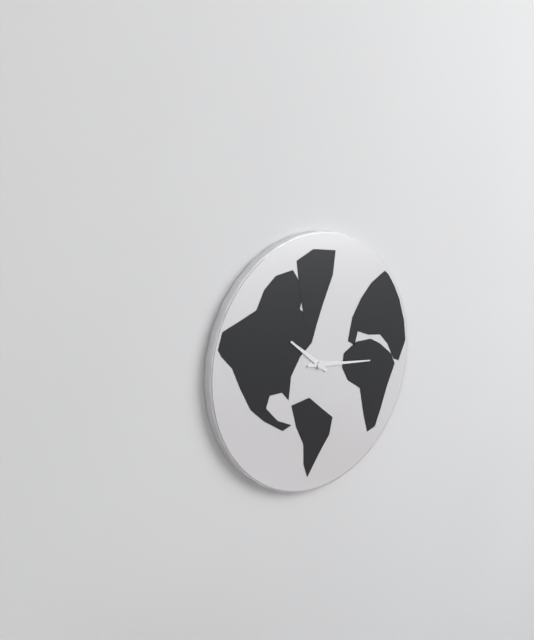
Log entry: h=10 m=16
